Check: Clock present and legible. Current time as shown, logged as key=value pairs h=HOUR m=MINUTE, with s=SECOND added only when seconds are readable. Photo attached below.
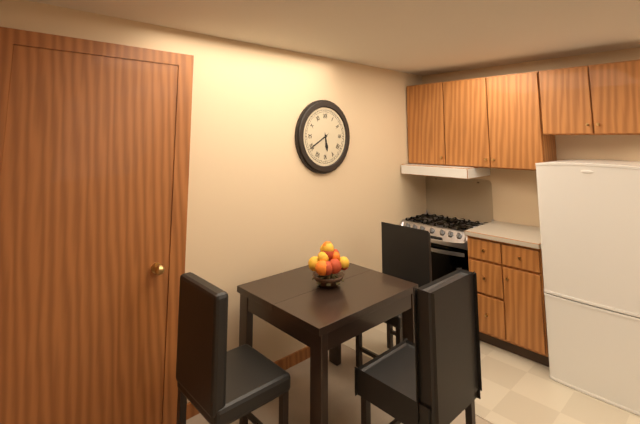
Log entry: h=5 m=40
